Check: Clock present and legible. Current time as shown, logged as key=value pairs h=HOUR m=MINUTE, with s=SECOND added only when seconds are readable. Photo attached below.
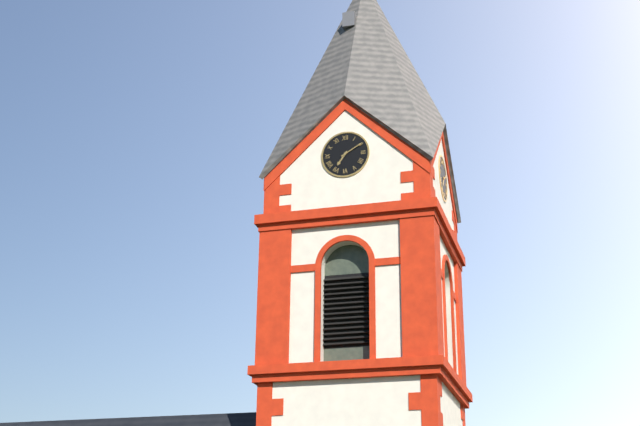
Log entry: h=7 m=10
